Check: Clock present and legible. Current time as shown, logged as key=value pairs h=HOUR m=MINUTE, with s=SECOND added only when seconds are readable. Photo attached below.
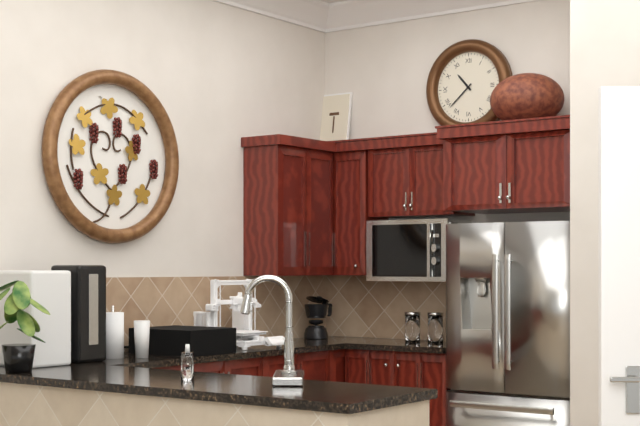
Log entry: h=10 m=38
